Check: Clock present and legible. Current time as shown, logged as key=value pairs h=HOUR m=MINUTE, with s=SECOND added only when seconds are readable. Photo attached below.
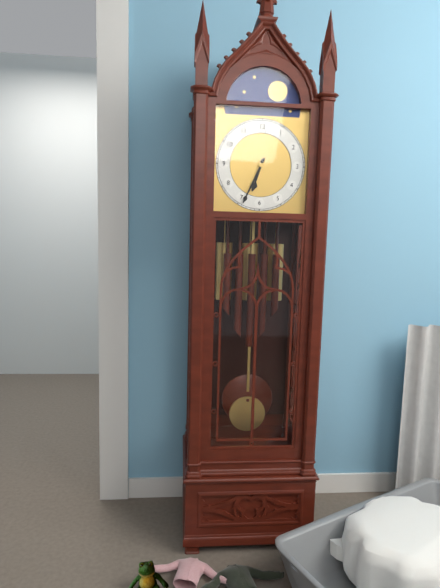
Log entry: h=6 m=34
